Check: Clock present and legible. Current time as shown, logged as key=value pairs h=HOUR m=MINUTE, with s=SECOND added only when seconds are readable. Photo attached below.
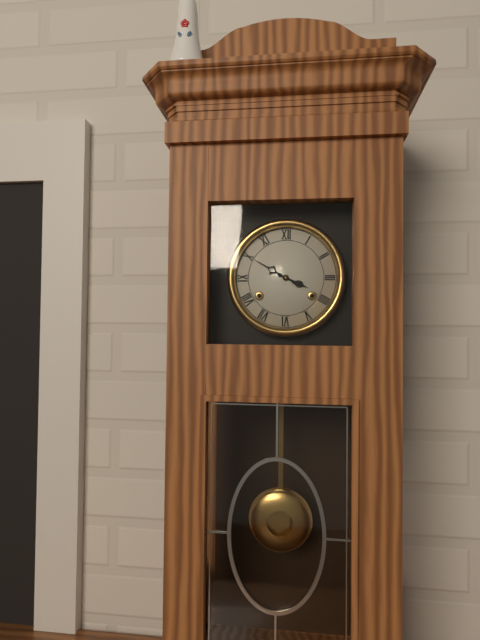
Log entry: h=3 m=50
